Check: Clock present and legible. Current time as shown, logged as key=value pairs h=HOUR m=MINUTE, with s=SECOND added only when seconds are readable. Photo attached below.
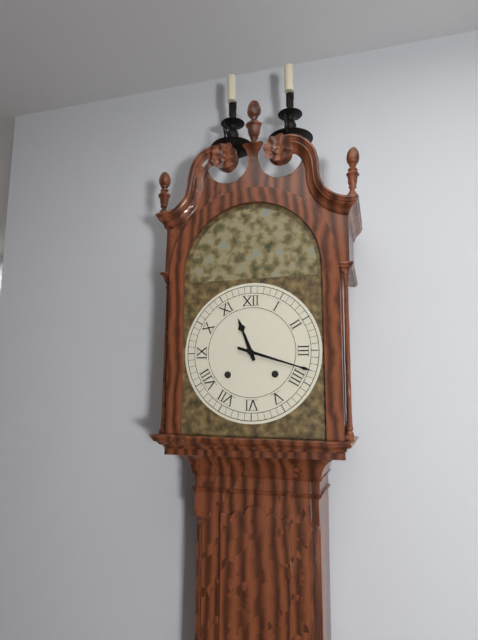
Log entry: h=11 m=18
